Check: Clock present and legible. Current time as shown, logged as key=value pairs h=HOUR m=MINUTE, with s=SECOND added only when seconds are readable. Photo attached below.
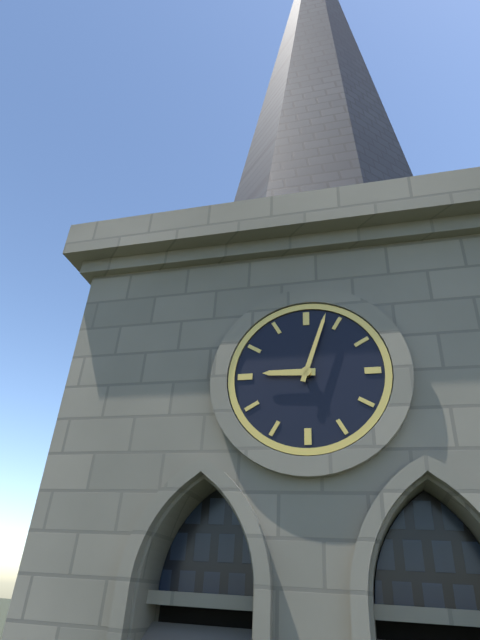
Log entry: h=9 m=3
